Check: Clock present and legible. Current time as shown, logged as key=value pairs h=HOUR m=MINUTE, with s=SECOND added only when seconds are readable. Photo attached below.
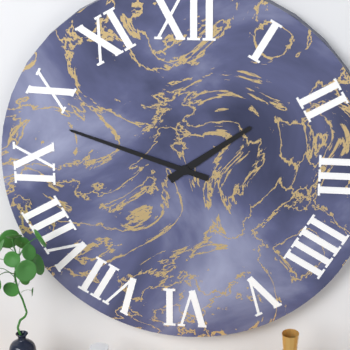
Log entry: h=1 m=48
